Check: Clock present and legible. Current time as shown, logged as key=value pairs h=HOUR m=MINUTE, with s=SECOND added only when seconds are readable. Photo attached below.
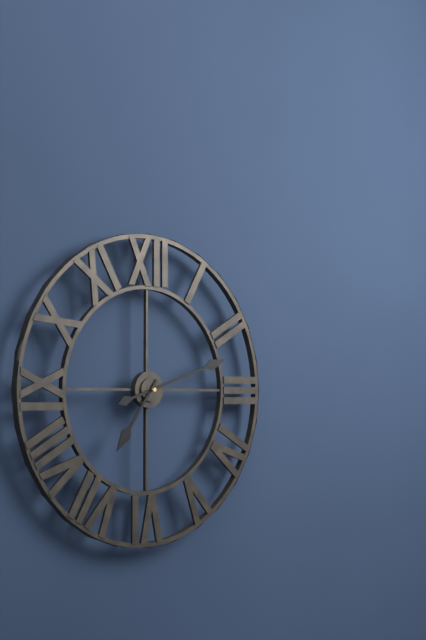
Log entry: h=7 m=12
